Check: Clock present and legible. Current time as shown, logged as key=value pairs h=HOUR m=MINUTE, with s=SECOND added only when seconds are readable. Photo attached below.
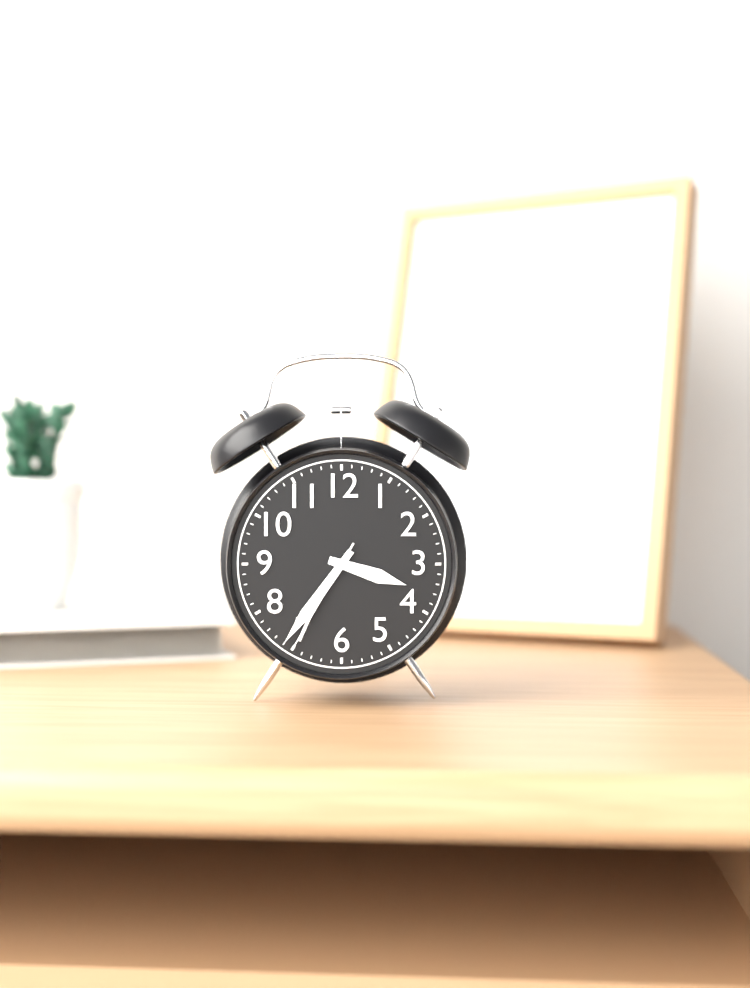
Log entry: h=3 m=36 s=35
